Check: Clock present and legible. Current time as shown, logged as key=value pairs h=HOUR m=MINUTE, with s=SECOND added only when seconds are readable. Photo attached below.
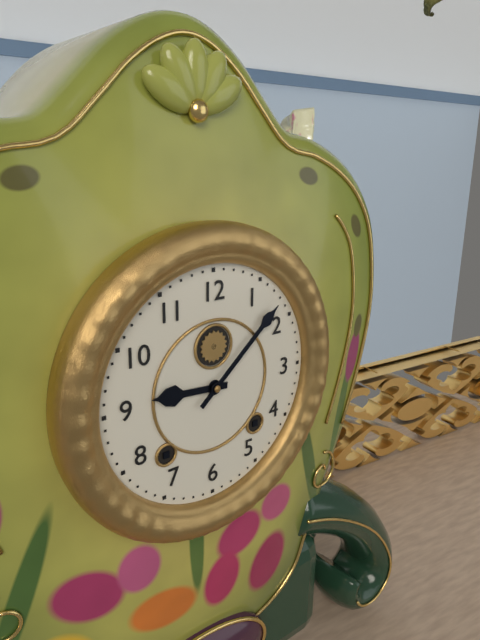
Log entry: h=9 m=8
